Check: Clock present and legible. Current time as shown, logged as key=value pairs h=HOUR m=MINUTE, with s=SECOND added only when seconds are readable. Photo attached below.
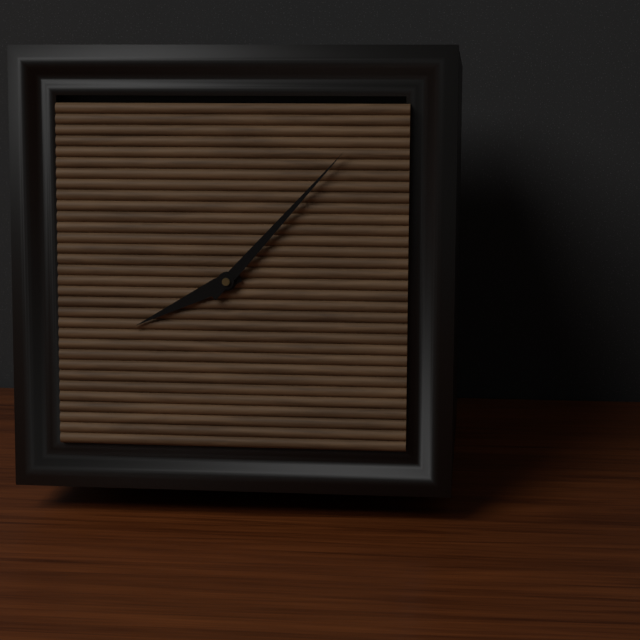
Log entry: h=8 m=7
